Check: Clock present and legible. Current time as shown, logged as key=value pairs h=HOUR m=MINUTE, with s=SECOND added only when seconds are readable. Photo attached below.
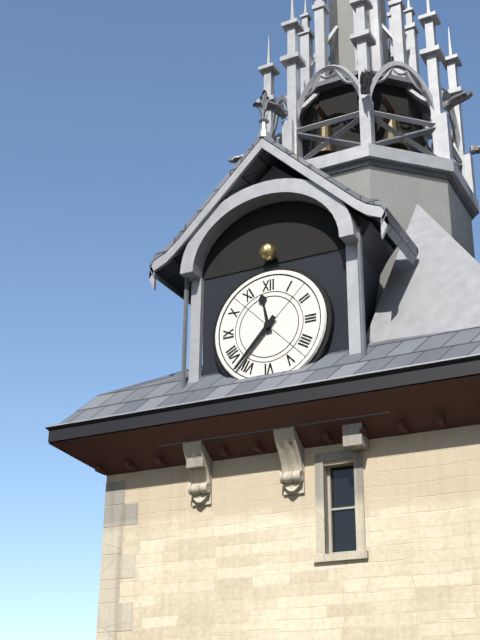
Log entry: h=11 m=37
